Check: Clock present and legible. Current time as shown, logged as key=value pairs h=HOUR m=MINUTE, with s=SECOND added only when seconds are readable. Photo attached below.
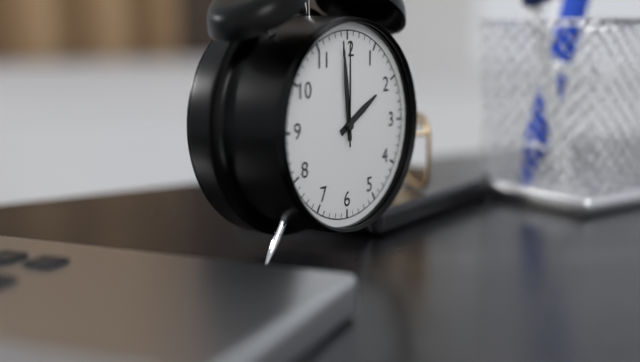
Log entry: h=1 m=59 s=0
